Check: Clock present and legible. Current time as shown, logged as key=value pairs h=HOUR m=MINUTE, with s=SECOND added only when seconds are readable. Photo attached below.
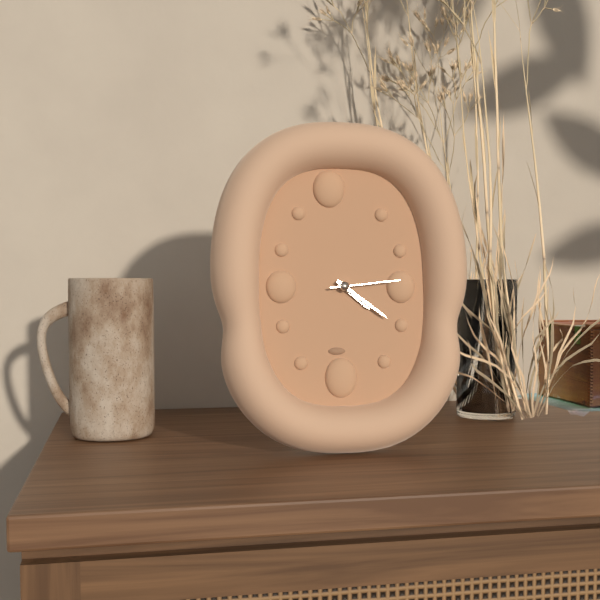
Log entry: h=4 m=21 s=14
